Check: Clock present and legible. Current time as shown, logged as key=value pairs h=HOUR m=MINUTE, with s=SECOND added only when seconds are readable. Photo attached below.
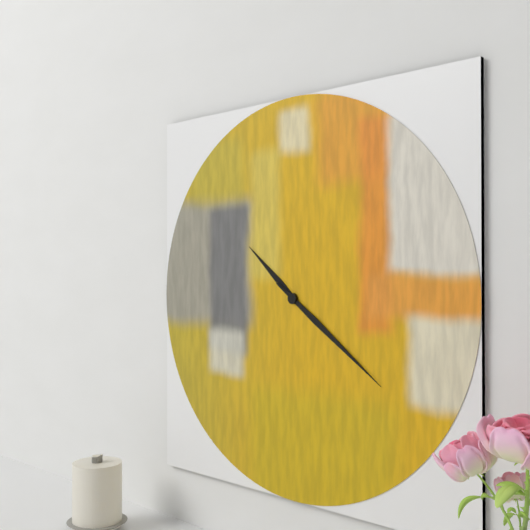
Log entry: h=10 m=21
